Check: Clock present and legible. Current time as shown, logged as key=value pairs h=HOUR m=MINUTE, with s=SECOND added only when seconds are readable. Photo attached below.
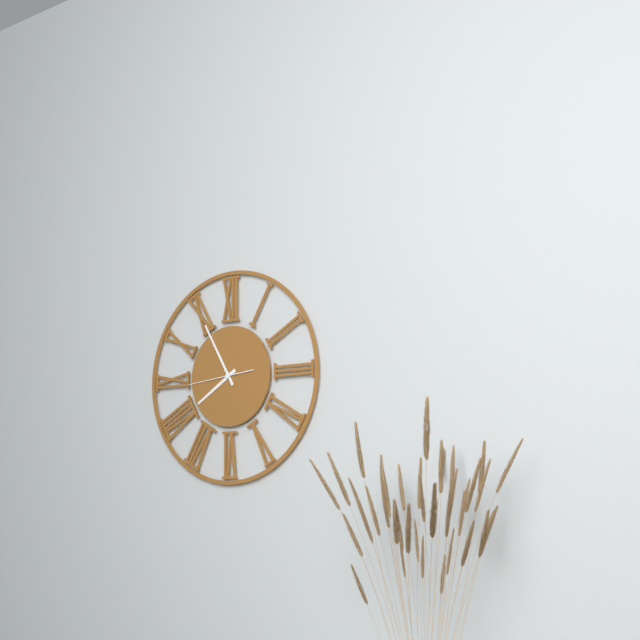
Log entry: h=7 m=55 s=44
